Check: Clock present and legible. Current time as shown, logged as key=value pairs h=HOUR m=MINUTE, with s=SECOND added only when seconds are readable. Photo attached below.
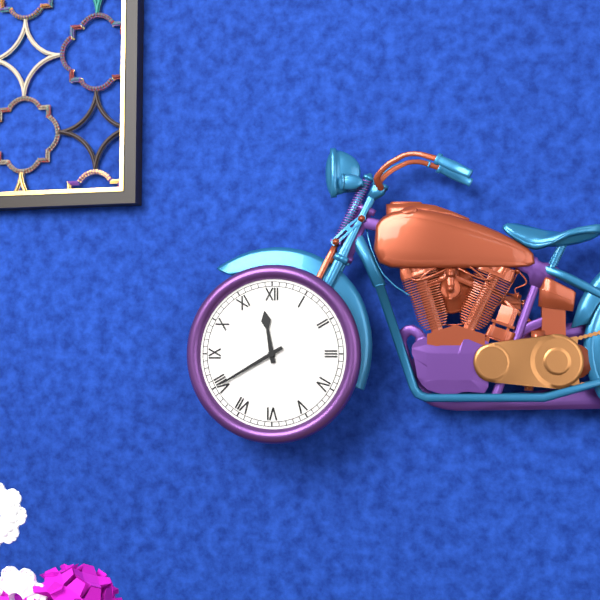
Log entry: h=11 m=40
